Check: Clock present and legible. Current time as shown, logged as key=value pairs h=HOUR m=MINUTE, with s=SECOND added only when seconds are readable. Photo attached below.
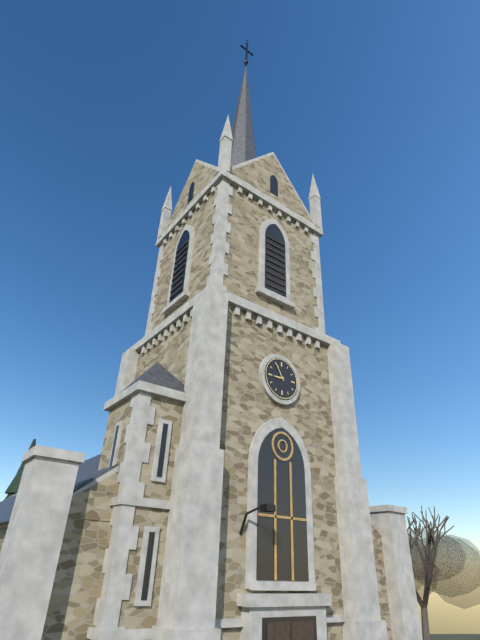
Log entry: h=8 m=55
